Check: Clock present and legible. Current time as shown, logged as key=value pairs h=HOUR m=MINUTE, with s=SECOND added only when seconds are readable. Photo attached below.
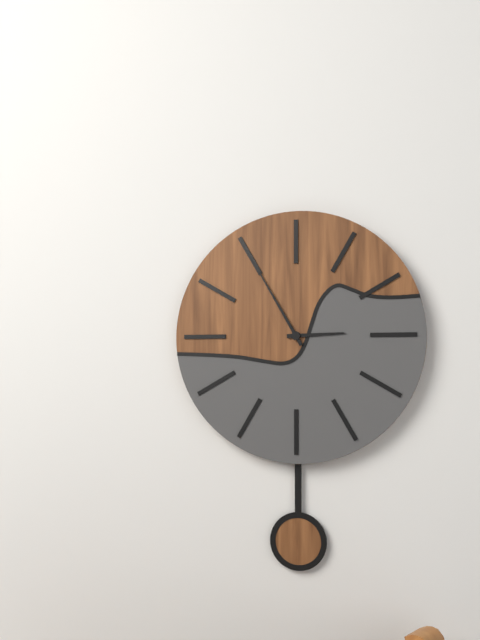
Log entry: h=2 m=55
